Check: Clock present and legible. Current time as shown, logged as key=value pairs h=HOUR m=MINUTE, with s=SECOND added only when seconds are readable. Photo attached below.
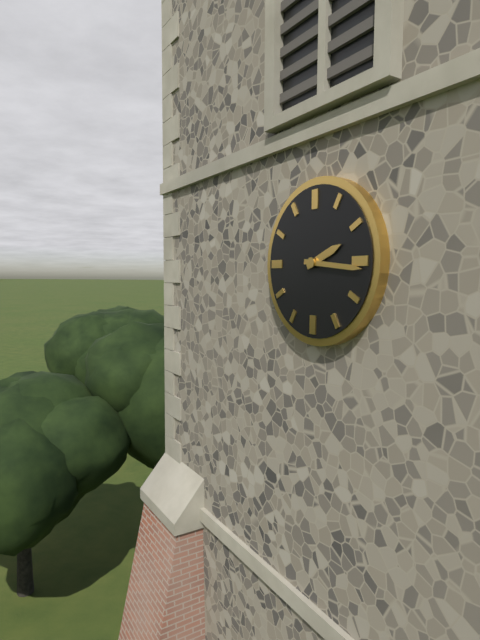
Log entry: h=2 m=16
